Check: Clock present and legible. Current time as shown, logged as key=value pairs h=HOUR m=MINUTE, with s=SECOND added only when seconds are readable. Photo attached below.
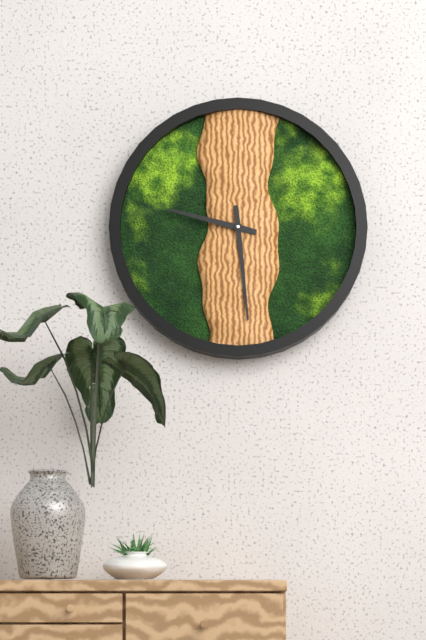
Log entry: h=9 m=29
